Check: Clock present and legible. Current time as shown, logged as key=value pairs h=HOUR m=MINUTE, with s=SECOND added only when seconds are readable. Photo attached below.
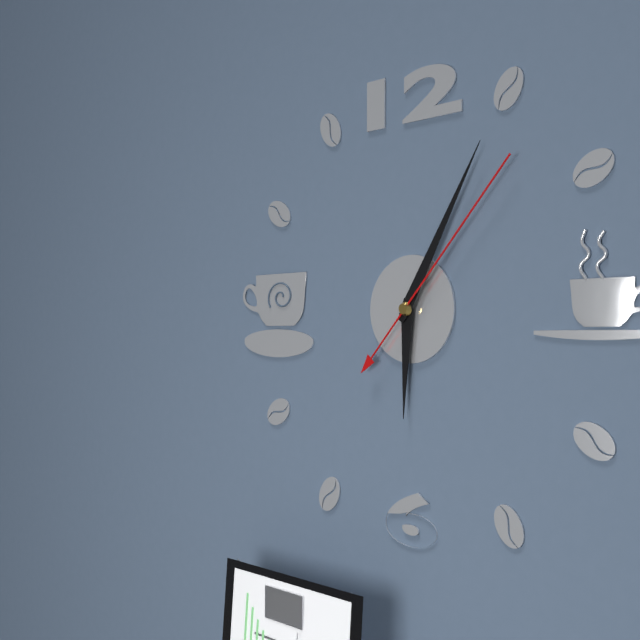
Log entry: h=6 m=5 s=7
